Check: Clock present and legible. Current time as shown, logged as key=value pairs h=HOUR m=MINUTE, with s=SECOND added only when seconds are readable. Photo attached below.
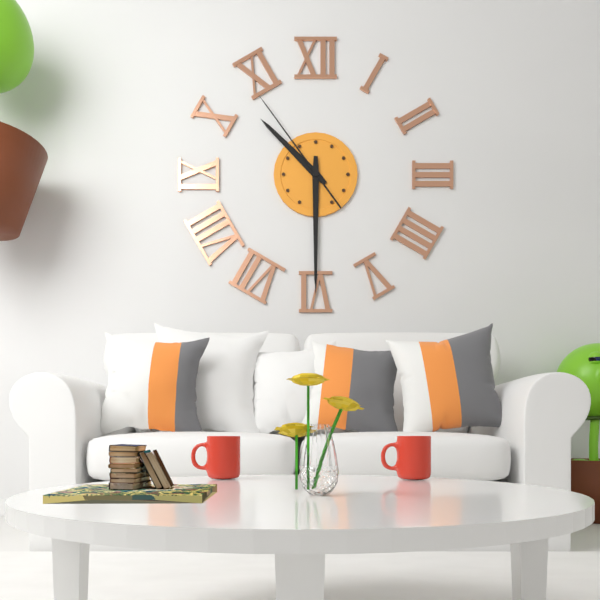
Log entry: h=10 m=30 s=54
